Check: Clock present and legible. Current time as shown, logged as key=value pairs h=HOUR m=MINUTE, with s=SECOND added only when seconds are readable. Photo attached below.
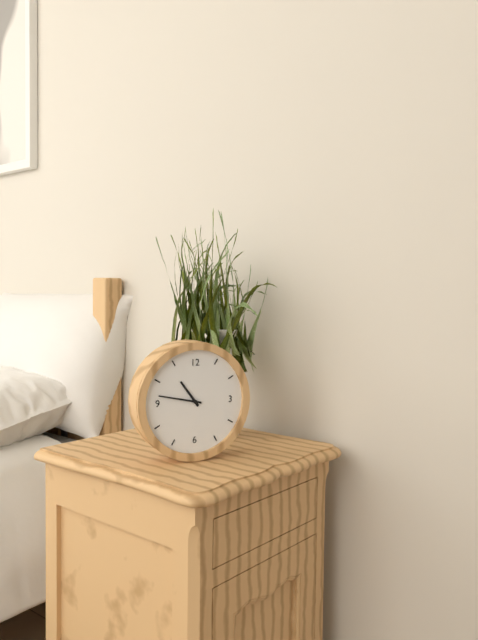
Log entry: h=10 m=47
